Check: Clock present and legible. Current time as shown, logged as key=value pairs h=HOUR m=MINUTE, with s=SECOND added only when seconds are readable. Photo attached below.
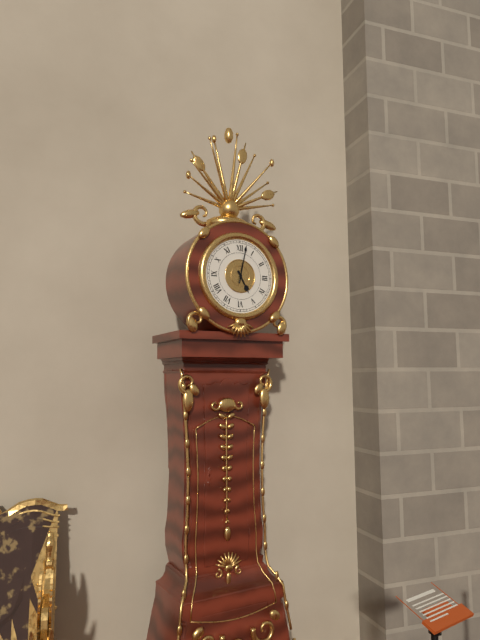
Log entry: h=5 m=2
